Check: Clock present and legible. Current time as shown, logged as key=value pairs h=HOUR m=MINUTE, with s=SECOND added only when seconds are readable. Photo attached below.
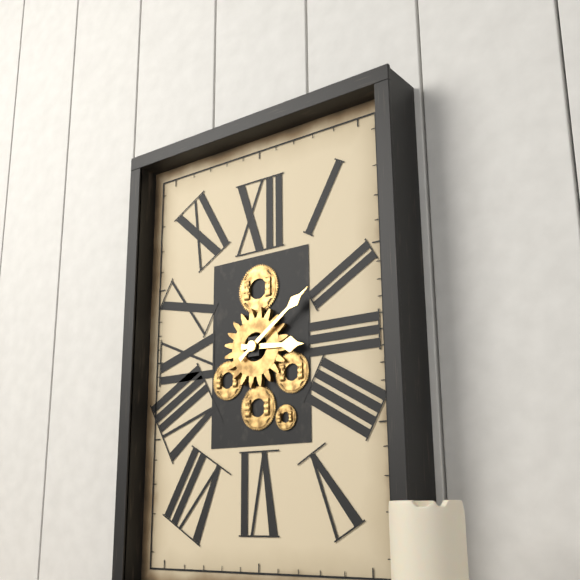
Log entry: h=3 m=9
